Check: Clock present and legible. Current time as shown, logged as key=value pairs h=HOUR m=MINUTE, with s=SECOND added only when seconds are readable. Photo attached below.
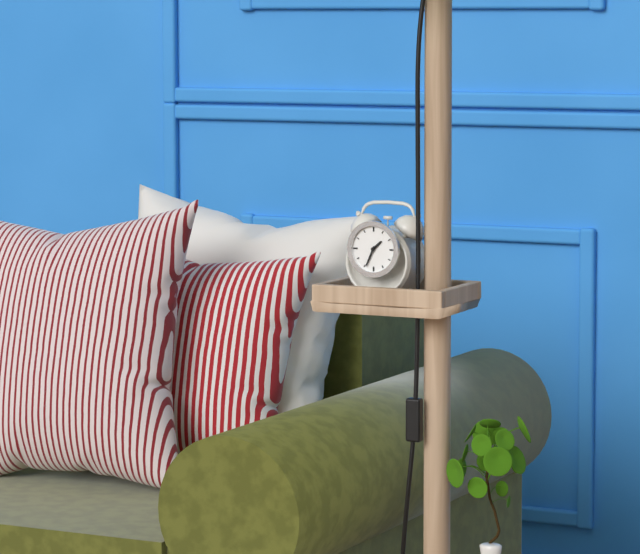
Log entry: h=1 m=34
